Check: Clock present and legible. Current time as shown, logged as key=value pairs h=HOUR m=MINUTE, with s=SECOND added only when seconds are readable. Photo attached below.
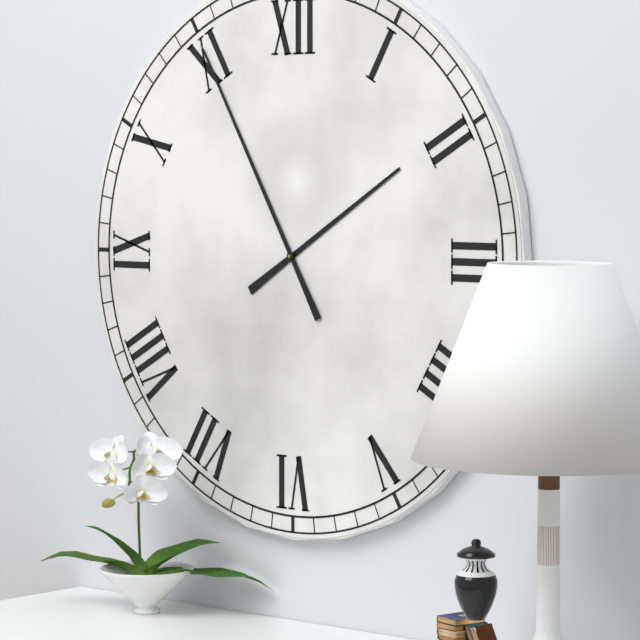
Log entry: h=1 m=55
